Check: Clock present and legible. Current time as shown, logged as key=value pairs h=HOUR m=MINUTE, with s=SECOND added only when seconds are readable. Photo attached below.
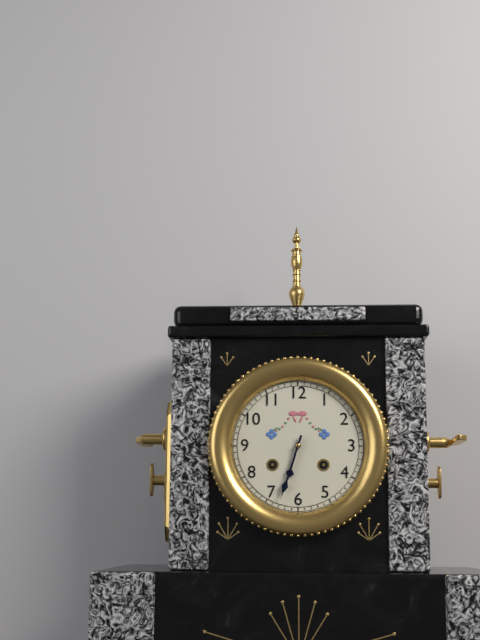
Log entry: h=6 m=33
